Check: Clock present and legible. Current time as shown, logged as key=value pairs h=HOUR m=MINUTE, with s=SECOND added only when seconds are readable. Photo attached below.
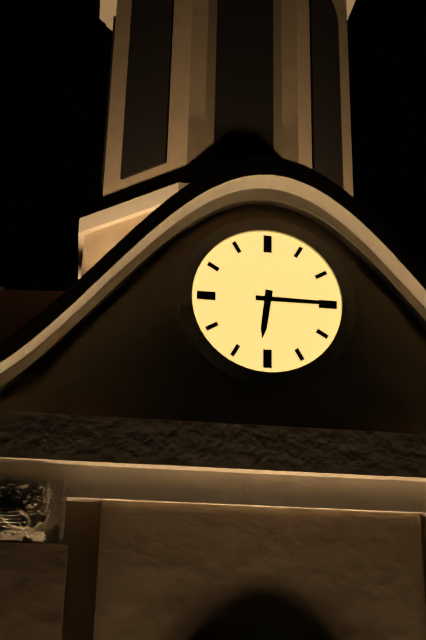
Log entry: h=6 m=15
